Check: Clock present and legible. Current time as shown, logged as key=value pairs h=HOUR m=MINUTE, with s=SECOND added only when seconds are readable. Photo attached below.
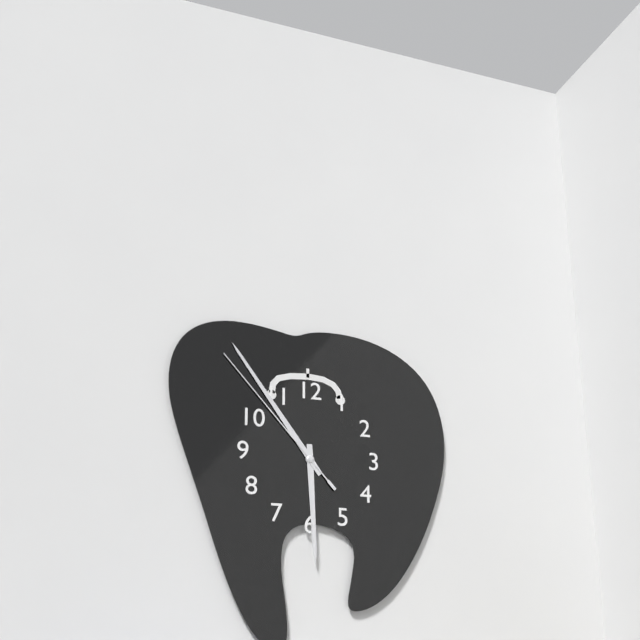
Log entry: h=5 m=54 s=53
